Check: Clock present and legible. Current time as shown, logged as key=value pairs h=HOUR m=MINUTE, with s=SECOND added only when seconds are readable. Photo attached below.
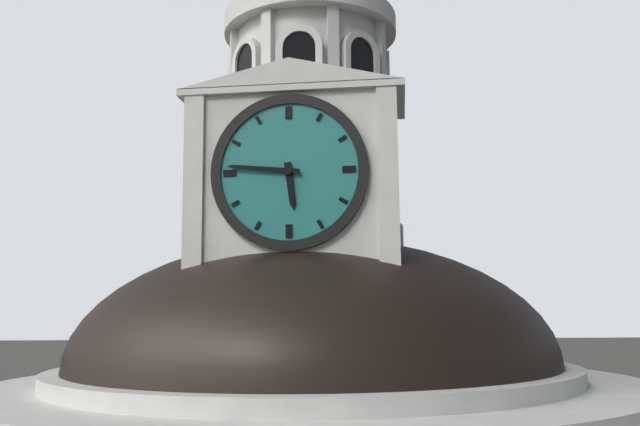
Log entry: h=5 m=46
